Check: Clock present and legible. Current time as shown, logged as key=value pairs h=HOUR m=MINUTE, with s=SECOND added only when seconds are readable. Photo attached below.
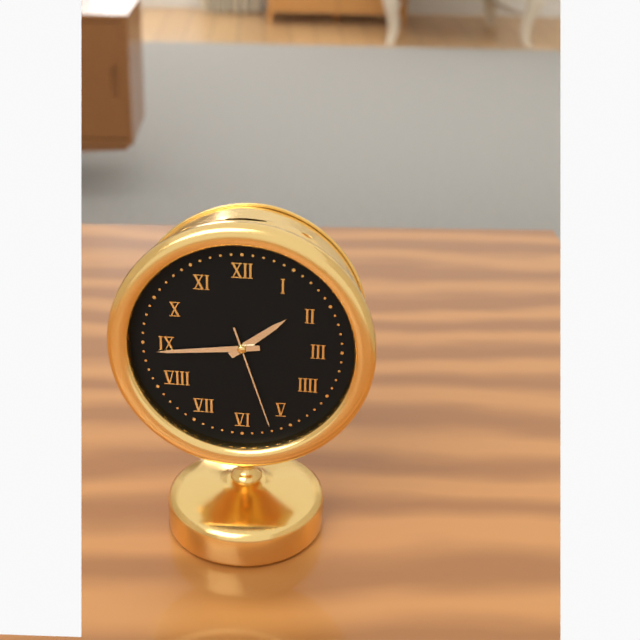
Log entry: h=1 m=44 s=27
